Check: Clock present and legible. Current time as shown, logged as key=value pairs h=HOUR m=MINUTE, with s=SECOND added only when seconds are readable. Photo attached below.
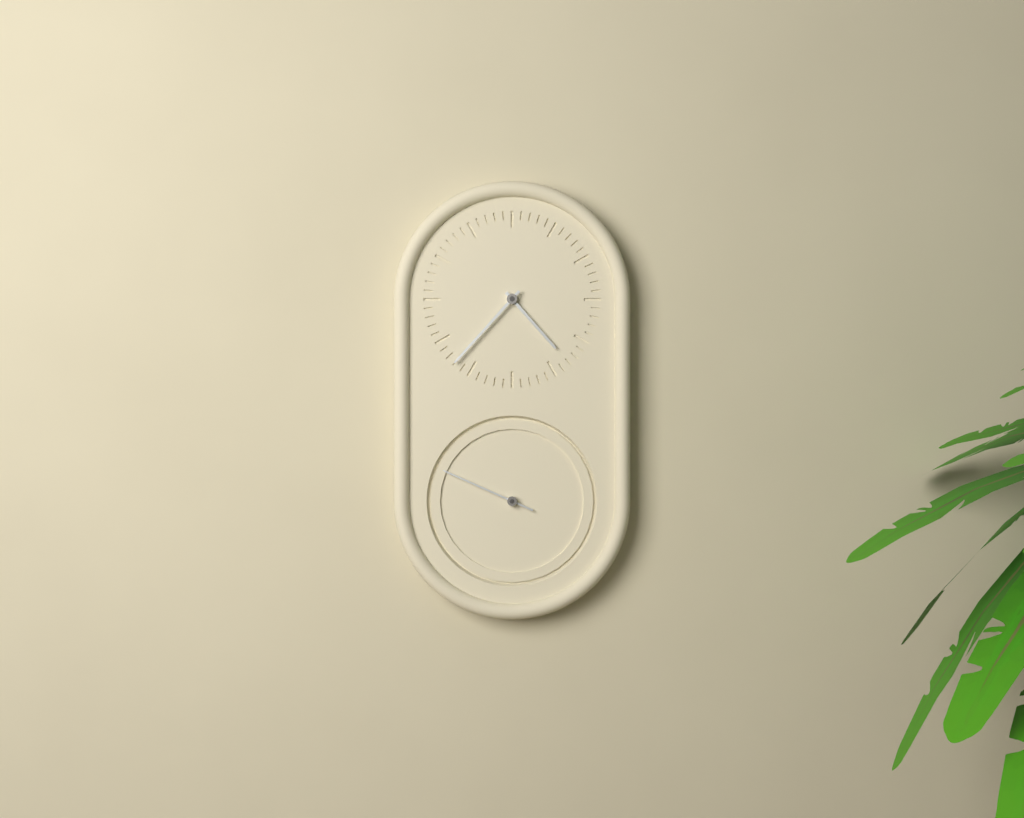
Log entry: h=4 m=37 s=49
